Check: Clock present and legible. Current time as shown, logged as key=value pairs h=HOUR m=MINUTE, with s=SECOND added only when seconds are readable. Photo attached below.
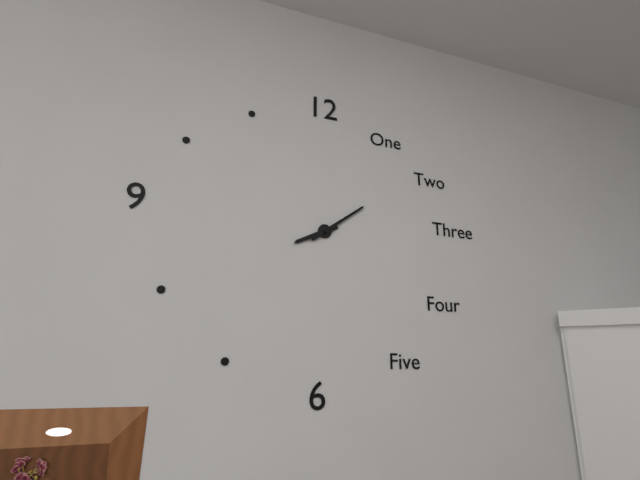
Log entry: h=8 m=9
